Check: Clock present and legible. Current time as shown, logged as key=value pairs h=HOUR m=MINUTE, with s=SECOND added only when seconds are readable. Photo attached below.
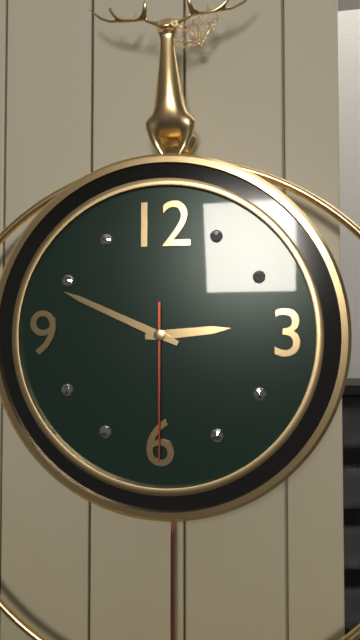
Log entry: h=2 m=49 s=30
